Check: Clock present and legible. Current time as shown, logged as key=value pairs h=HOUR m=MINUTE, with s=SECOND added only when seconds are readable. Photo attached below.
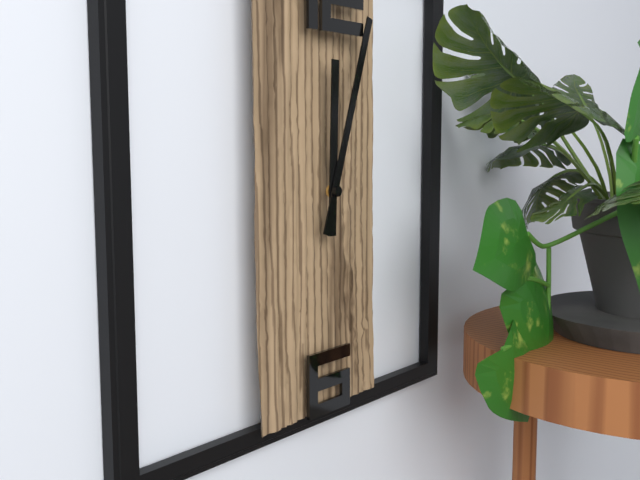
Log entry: h=12 m=3
